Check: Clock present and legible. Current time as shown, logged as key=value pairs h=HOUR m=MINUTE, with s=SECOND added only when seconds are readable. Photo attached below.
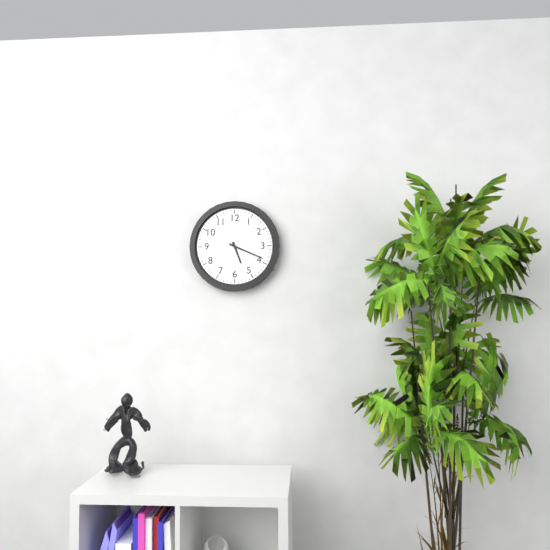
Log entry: h=5 m=19
